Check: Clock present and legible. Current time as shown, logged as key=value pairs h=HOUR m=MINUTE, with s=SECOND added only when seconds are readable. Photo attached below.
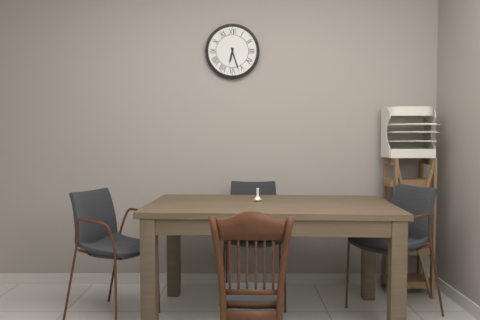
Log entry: h=6 m=27
